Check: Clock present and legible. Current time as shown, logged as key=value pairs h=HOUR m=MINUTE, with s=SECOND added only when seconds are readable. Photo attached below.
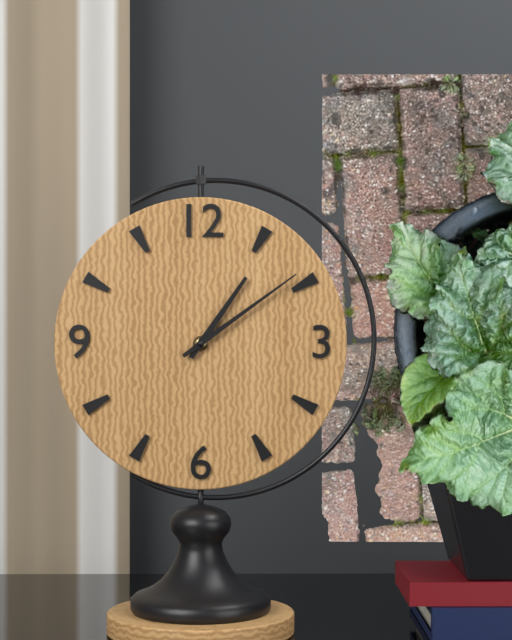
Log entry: h=1 m=9
